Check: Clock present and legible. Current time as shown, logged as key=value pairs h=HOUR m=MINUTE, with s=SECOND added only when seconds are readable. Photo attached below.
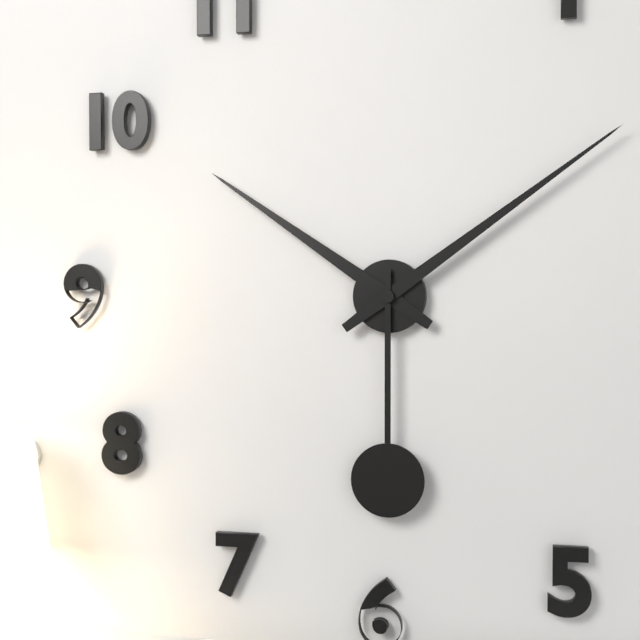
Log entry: h=10 m=9 s=30
